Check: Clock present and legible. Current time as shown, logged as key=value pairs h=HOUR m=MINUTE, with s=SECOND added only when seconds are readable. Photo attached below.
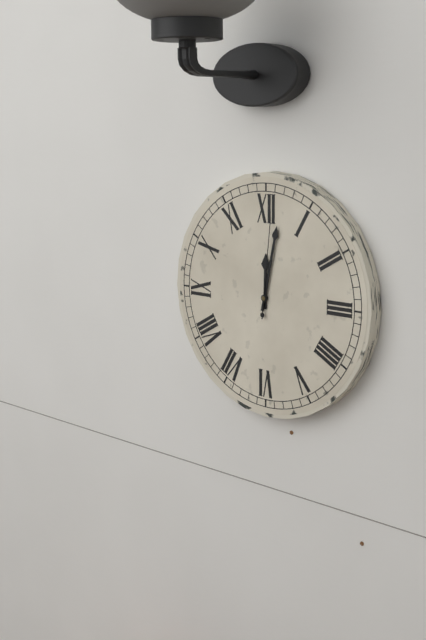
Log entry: h=12 m=2 s=1
